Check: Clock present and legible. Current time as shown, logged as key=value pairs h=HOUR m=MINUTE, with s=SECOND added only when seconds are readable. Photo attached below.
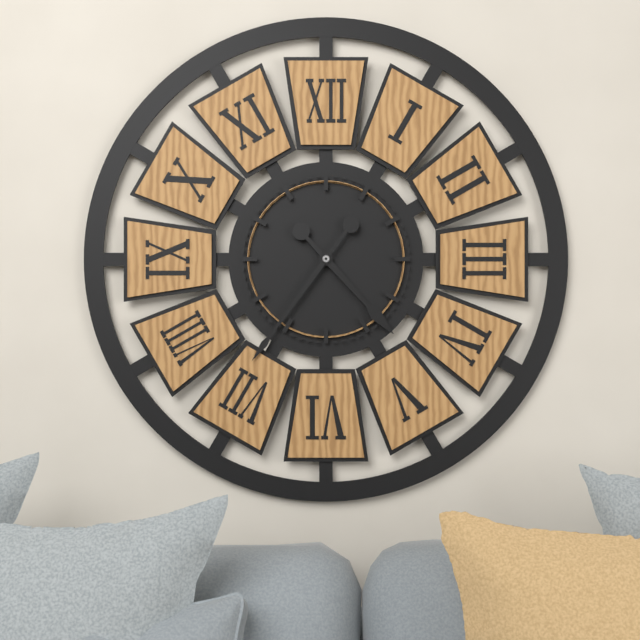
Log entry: h=4 m=36
